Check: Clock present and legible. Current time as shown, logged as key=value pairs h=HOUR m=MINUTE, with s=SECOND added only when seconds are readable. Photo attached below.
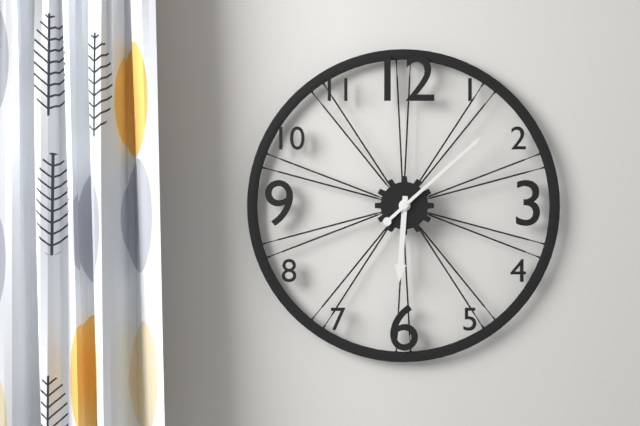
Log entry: h=6 m=8
